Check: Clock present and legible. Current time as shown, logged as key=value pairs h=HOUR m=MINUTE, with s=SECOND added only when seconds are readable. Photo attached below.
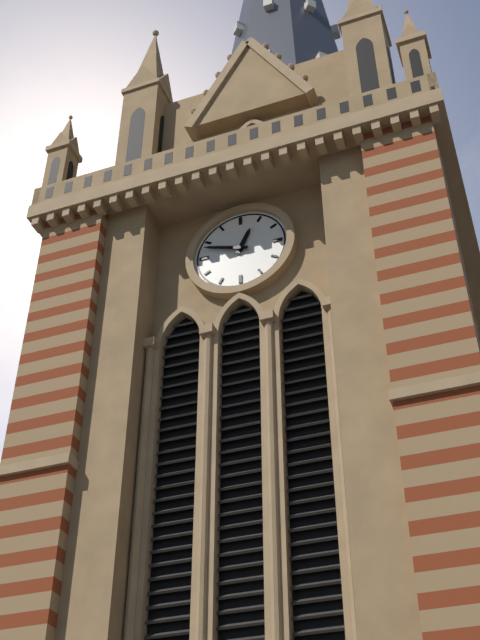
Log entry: h=12 m=48
